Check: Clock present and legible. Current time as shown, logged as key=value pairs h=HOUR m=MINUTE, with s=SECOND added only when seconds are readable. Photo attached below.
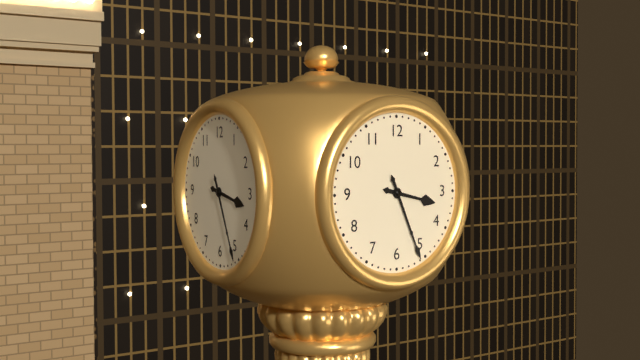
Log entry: h=3 m=26
